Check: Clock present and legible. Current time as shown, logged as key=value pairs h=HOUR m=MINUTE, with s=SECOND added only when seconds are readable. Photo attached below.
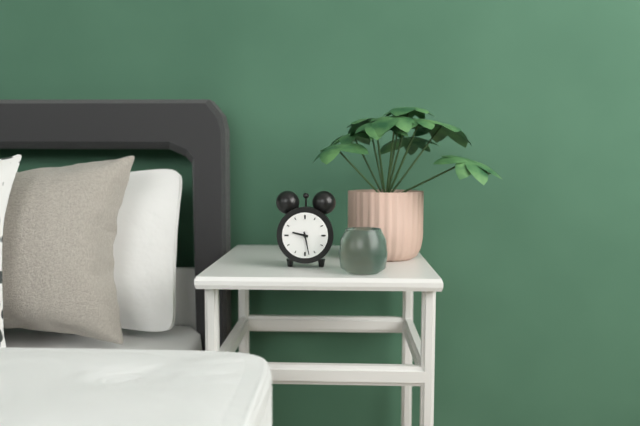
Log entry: h=9 m=28
